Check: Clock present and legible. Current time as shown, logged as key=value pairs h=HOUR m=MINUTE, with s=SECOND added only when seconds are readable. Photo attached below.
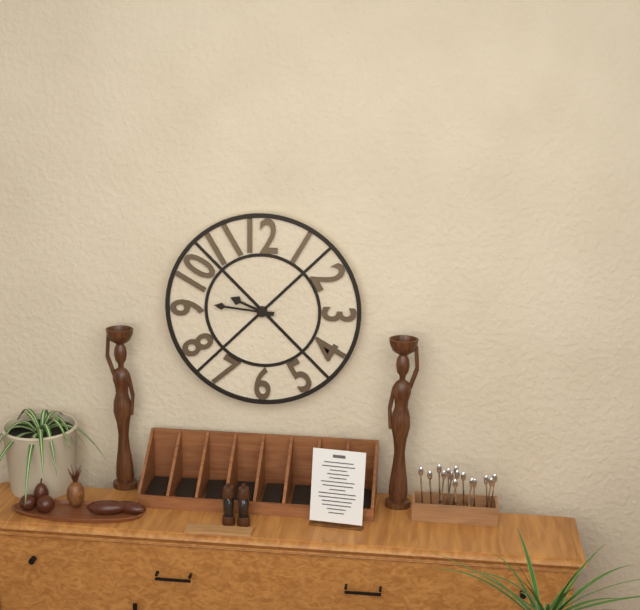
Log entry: h=9 m=46
